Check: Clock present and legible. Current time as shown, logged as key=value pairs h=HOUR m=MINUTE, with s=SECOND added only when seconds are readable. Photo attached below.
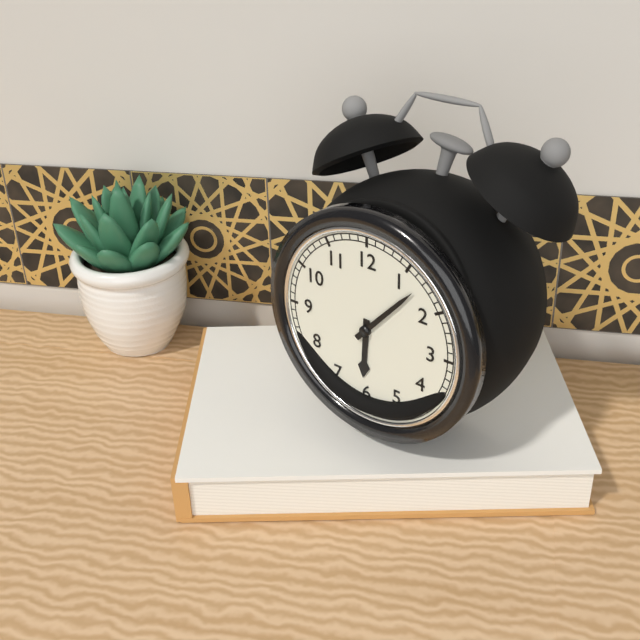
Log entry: h=6 m=7
